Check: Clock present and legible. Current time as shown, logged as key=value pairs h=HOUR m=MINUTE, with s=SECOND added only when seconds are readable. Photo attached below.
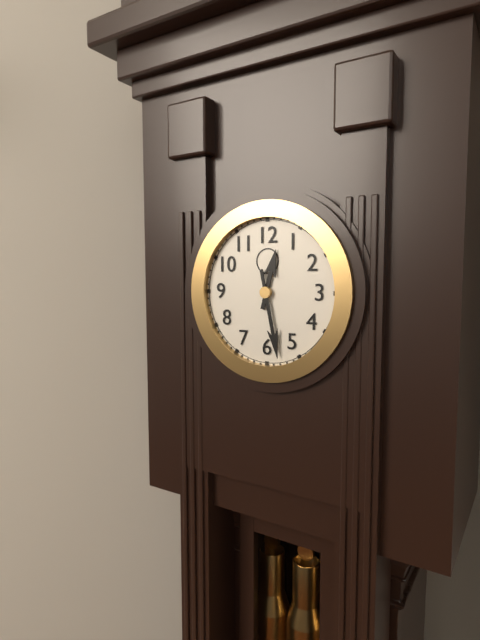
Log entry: h=12 m=28
